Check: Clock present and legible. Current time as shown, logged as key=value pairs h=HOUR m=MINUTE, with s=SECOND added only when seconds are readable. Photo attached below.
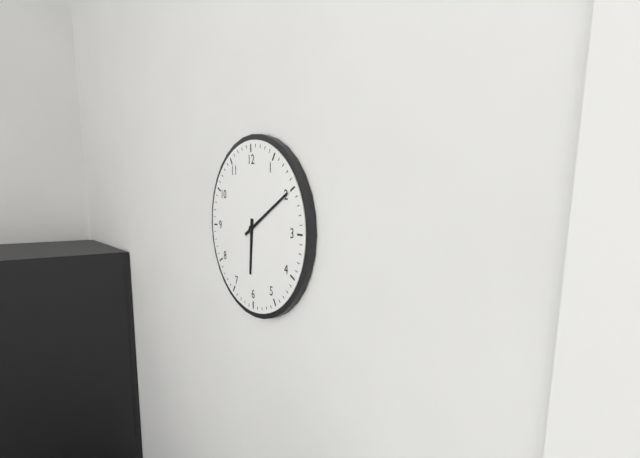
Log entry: h=6 m=10
